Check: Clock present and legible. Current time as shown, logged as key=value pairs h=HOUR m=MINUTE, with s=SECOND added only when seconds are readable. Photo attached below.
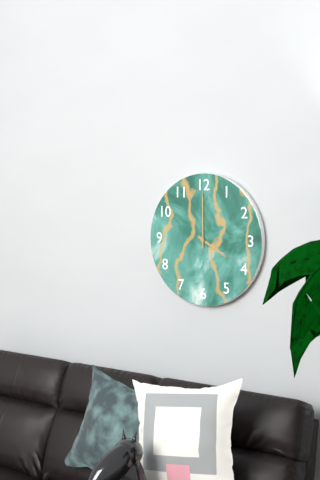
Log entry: h=4 m=0
